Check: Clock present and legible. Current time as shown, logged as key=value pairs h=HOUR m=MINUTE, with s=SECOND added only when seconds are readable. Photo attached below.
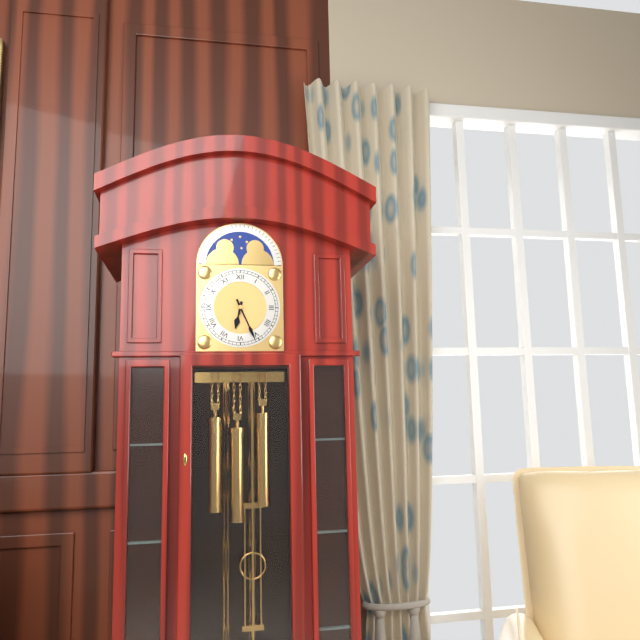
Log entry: h=6 m=26
